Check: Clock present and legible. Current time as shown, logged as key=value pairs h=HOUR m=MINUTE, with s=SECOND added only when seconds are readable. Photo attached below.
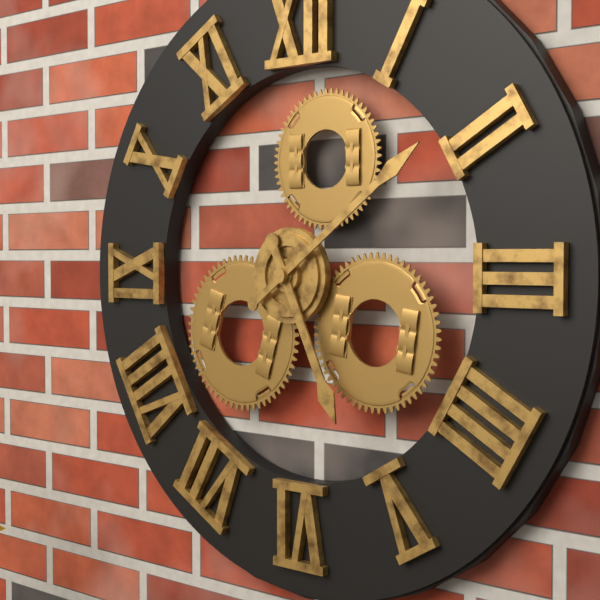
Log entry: h=5 m=9
